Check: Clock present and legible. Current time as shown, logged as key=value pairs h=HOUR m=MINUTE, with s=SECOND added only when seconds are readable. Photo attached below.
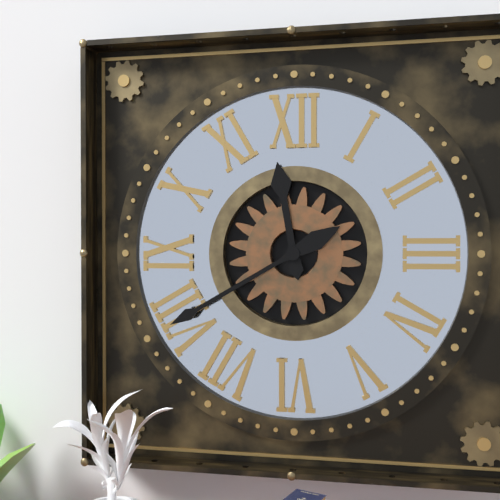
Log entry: h=11 m=40
